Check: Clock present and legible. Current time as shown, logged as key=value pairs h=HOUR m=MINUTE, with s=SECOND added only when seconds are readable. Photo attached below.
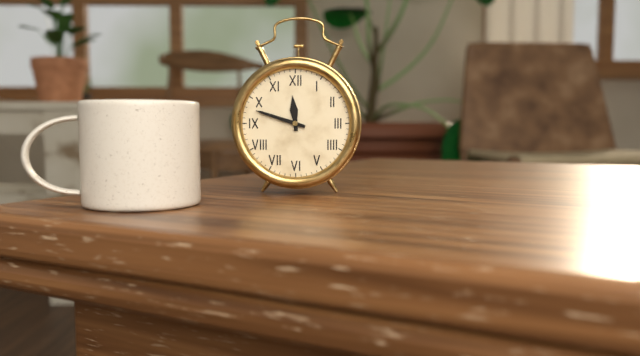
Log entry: h=11 m=48
